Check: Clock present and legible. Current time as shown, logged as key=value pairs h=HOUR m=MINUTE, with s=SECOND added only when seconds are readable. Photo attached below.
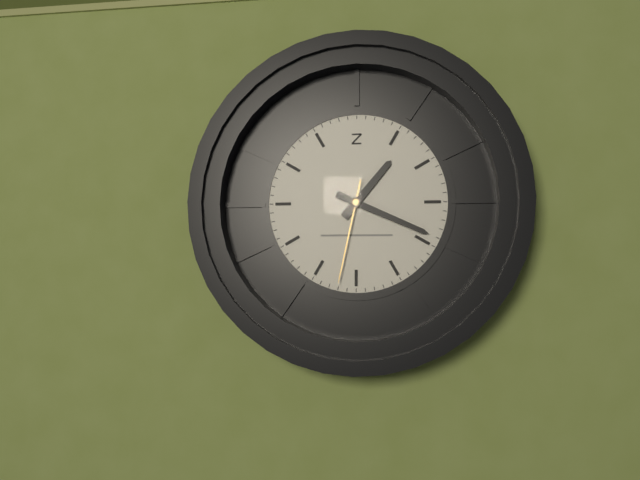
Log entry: h=1 m=19 s=32
